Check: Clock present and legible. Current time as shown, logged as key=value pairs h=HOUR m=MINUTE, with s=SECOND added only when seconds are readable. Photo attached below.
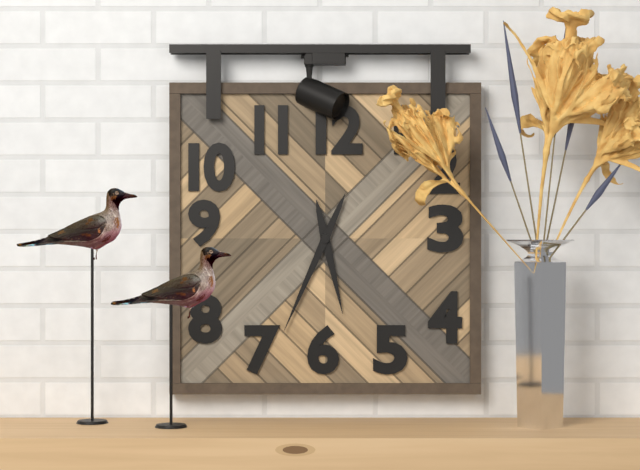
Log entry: h=5 m=34
